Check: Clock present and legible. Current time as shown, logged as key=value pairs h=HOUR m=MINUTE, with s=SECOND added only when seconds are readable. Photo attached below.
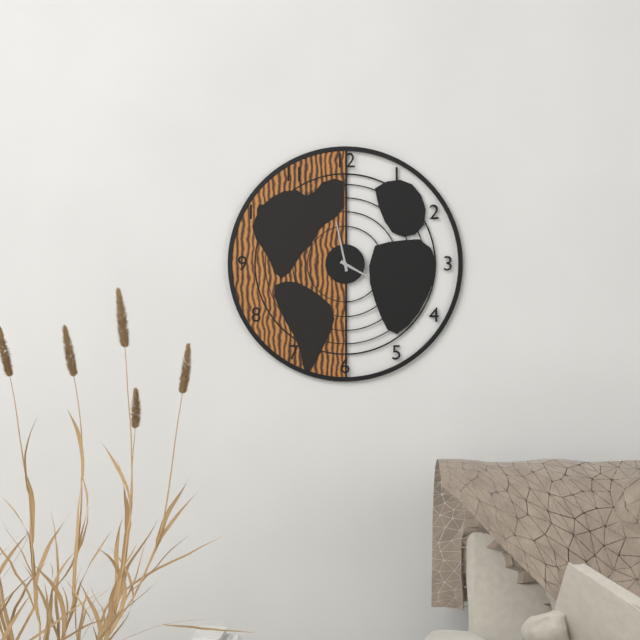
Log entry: h=3 m=58
